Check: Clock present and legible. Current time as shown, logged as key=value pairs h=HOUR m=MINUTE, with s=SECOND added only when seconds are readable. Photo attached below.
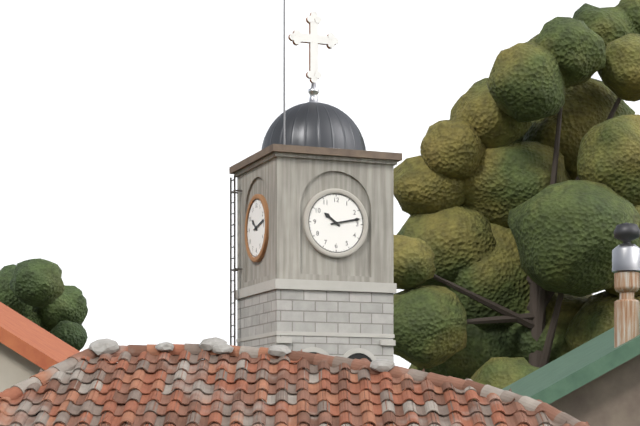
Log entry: h=10 m=13
